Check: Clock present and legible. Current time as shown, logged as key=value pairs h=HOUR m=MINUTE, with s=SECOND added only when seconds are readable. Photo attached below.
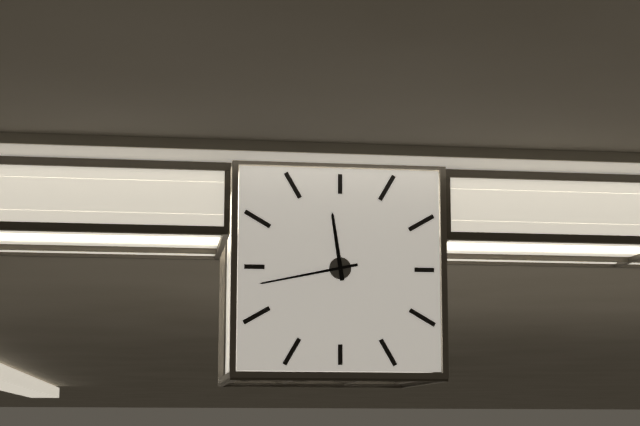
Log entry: h=11 m=43
